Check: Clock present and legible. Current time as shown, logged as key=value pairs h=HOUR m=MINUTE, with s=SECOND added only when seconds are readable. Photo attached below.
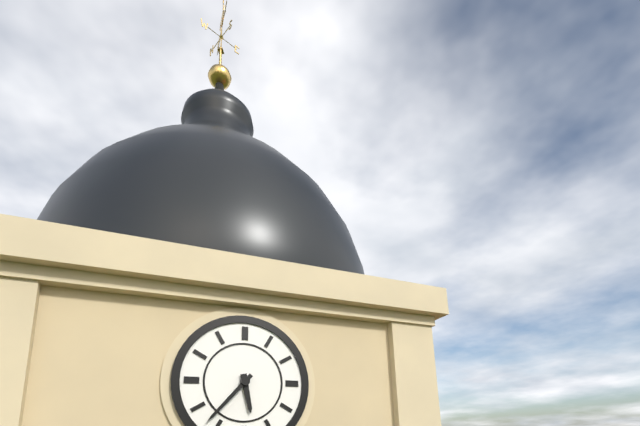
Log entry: h=5 m=37
